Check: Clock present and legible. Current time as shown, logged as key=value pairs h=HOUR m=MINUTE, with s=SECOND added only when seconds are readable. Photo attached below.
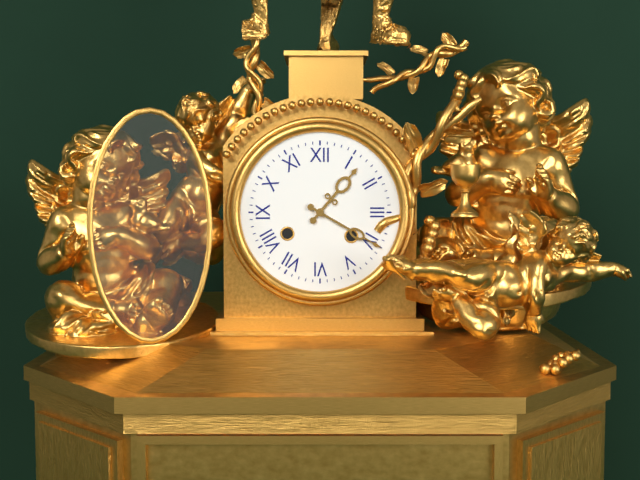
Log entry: h=1 m=20
